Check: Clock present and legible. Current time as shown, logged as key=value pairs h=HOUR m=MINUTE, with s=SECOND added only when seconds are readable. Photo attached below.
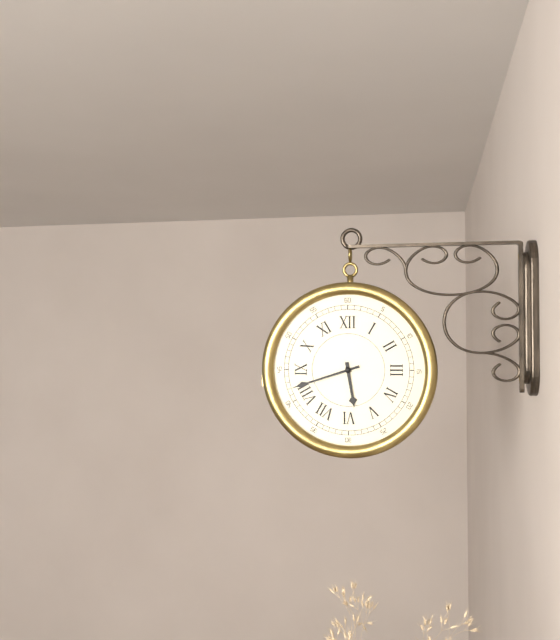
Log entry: h=5 m=42
